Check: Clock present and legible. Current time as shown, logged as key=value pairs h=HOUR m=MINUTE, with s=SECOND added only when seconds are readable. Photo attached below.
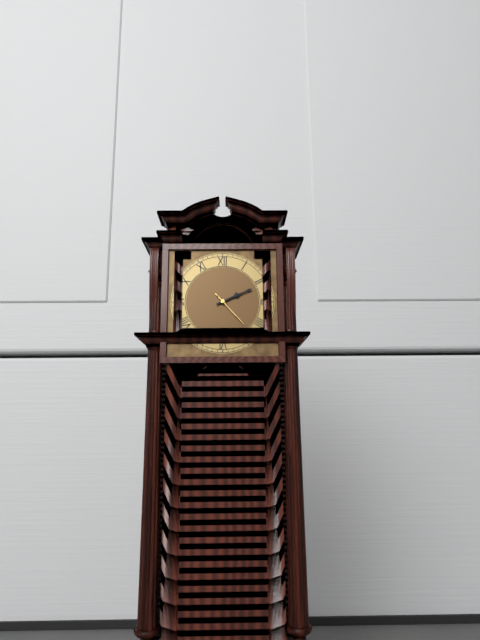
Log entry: h=2 m=11
